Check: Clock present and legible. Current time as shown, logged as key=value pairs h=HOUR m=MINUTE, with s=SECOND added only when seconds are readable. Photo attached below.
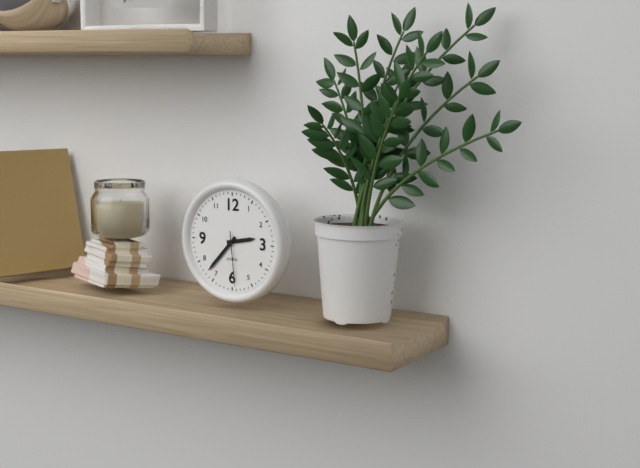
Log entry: h=2 m=37 s=29
